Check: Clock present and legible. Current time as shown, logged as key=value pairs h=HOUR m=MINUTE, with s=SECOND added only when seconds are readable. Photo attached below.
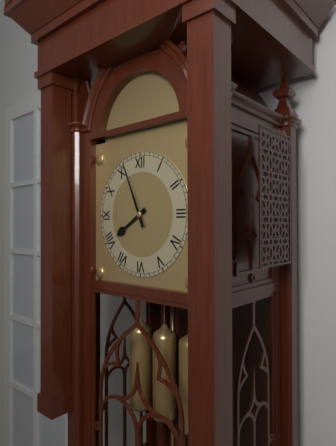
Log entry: h=7 m=56
